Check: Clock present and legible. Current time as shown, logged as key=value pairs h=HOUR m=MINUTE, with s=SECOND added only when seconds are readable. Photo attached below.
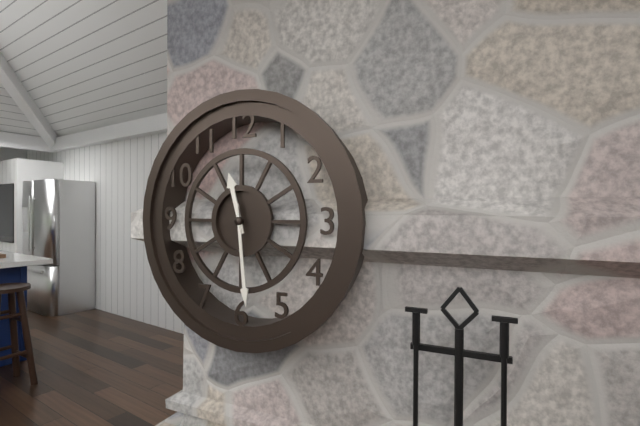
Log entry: h=11 m=29
